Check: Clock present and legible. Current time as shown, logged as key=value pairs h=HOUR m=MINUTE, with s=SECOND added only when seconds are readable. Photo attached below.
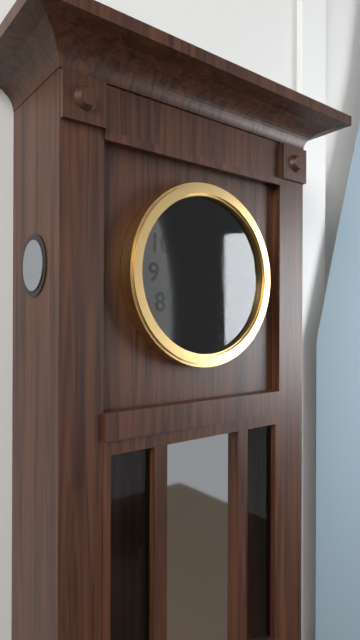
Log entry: h=11 m=31
